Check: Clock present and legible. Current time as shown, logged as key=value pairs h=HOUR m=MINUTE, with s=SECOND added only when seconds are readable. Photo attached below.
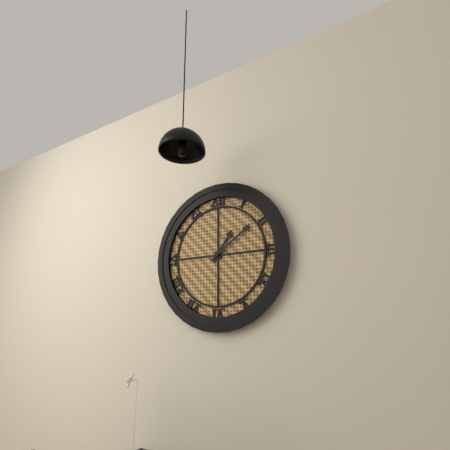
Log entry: h=1 m=9
